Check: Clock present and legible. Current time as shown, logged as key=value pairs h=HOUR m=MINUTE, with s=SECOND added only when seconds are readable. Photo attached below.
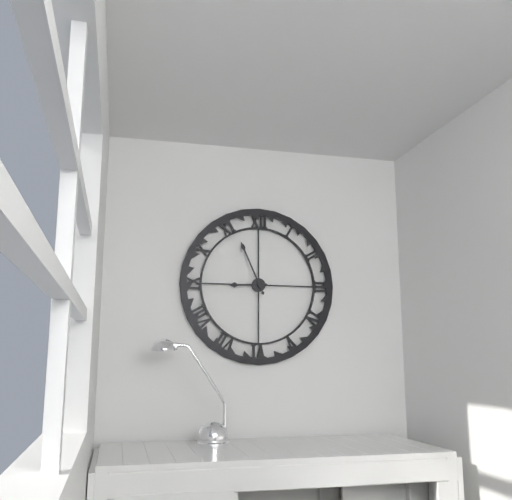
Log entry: h=8 m=56
